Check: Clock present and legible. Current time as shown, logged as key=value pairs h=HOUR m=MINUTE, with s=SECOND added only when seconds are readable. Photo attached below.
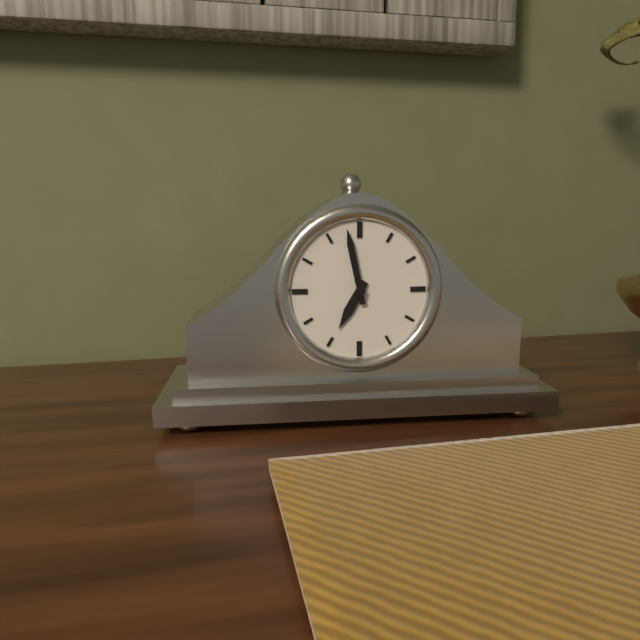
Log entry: h=6 m=58
